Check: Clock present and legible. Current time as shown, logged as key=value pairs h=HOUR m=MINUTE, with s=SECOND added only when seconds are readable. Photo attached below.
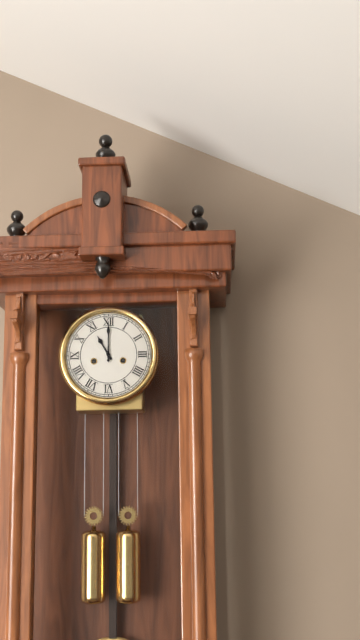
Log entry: h=11 m=0
